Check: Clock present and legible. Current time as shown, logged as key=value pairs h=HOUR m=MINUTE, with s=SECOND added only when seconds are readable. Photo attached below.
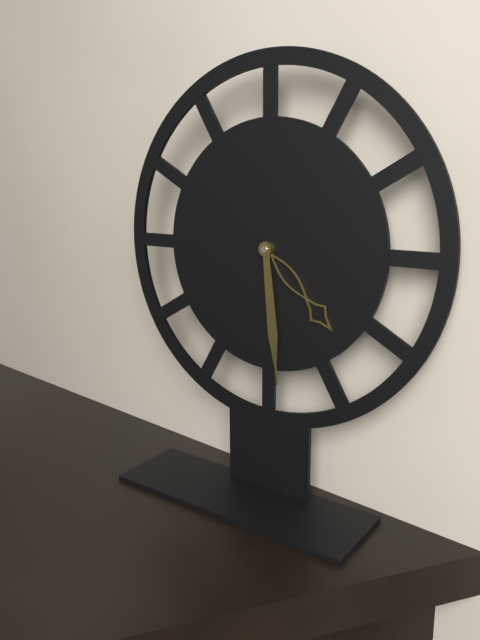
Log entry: h=4 m=29
